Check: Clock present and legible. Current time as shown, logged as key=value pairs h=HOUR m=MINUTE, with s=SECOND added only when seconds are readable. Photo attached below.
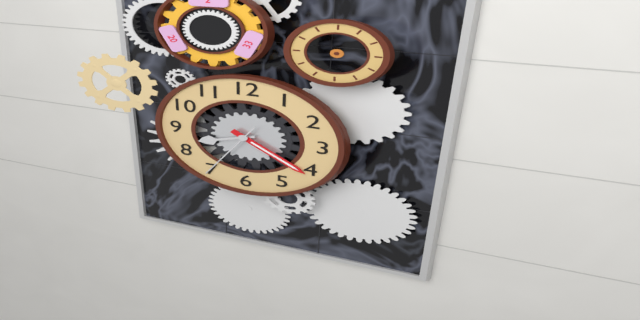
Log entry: h=8 m=21 s=35
